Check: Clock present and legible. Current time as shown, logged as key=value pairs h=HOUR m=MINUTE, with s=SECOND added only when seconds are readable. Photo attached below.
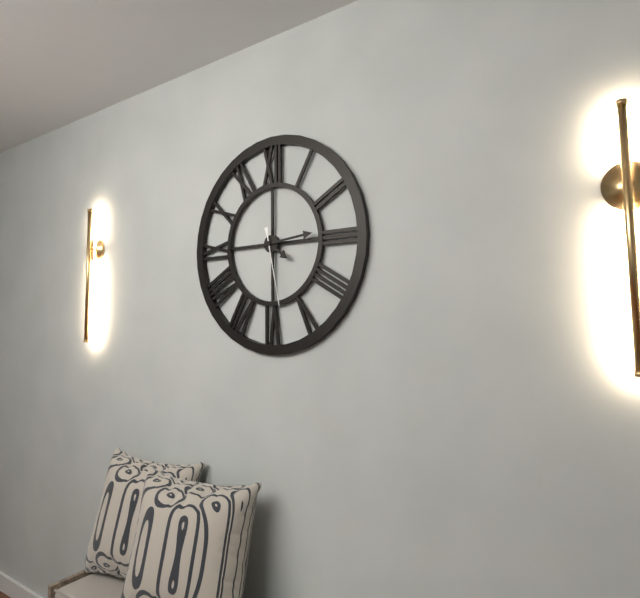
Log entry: h=4 m=14 s=28
